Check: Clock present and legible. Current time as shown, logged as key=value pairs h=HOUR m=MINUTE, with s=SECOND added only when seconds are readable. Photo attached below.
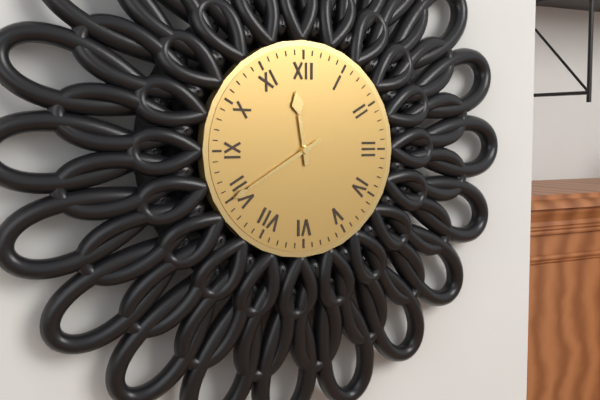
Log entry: h=11 m=40
